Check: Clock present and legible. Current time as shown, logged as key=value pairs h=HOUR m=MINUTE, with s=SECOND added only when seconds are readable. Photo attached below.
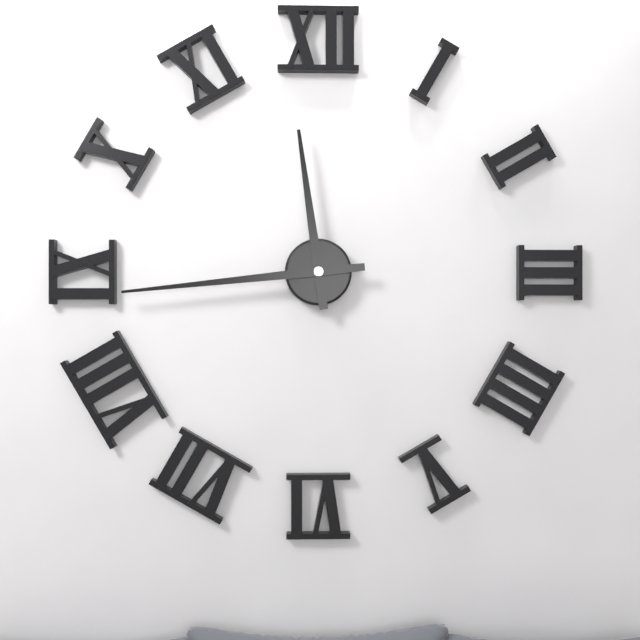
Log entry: h=11 m=44
